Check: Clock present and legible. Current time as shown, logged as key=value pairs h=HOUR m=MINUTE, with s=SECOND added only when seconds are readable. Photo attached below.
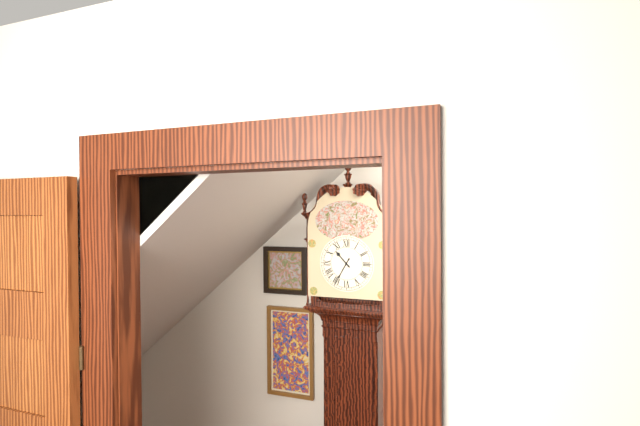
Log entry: h=10 m=35
